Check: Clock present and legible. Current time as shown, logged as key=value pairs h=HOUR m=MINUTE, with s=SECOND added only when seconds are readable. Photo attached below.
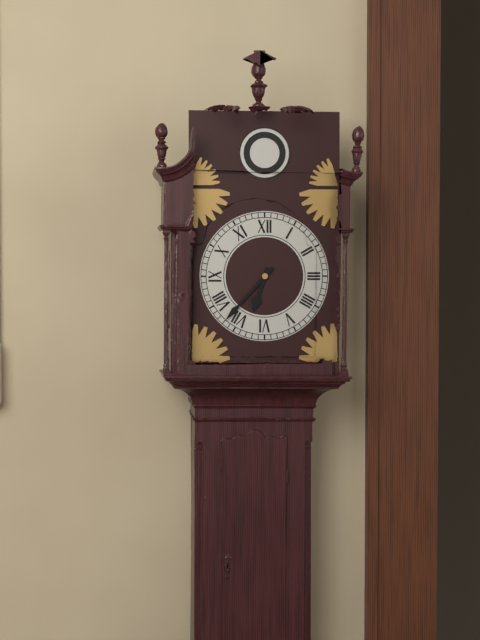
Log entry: h=6 m=37
